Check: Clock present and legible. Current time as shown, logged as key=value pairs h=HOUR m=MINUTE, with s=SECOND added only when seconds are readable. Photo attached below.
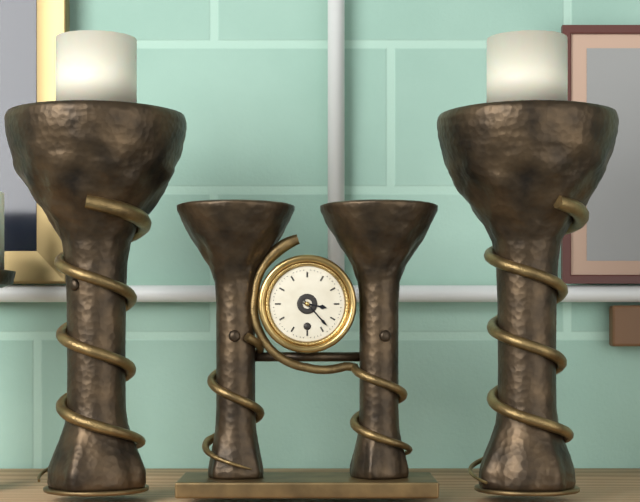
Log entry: h=3 m=23
